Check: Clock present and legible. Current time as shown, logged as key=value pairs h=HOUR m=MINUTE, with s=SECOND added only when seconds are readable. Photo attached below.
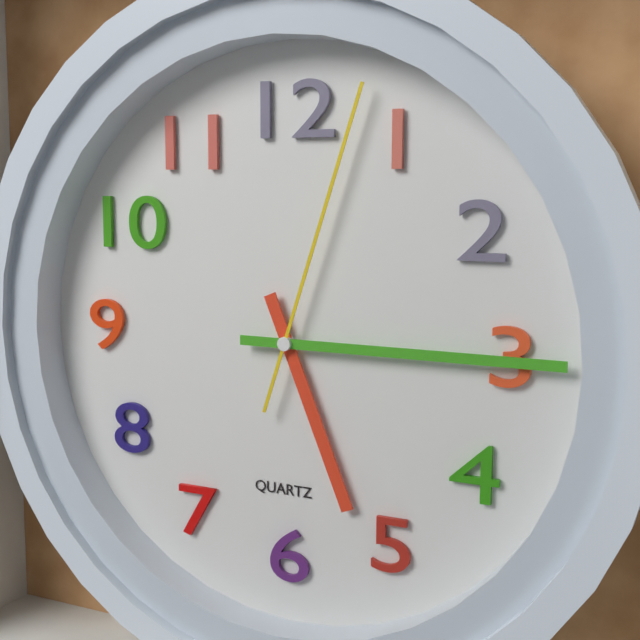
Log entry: h=5 m=15 s=3
